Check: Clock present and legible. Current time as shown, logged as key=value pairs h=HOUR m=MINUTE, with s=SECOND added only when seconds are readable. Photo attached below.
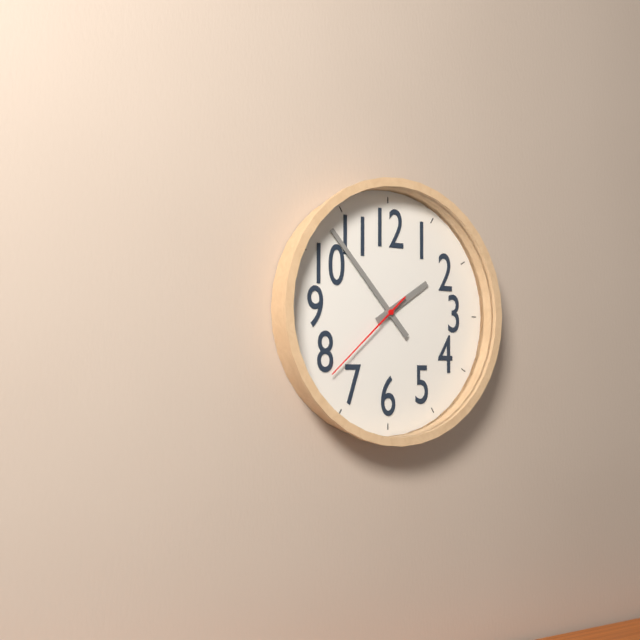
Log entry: h=1 m=53 s=38
